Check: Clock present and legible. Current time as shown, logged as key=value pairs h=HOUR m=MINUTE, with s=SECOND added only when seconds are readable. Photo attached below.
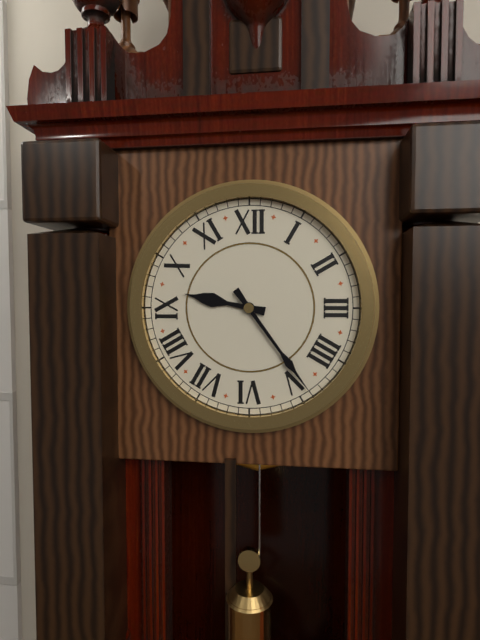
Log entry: h=9 m=24
